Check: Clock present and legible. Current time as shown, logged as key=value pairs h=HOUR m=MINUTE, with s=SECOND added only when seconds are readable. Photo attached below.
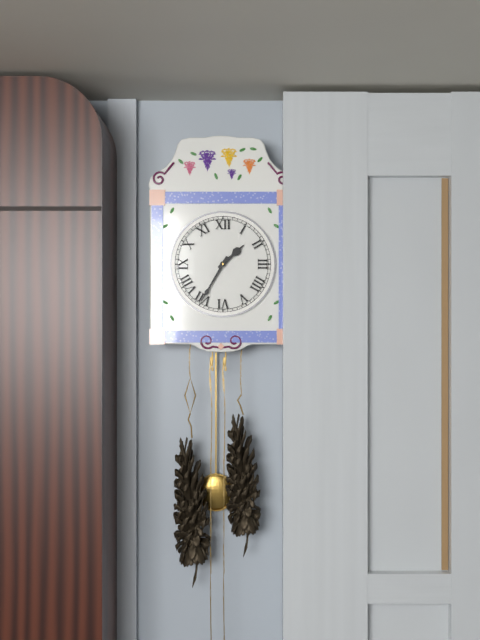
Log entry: h=1 m=35
